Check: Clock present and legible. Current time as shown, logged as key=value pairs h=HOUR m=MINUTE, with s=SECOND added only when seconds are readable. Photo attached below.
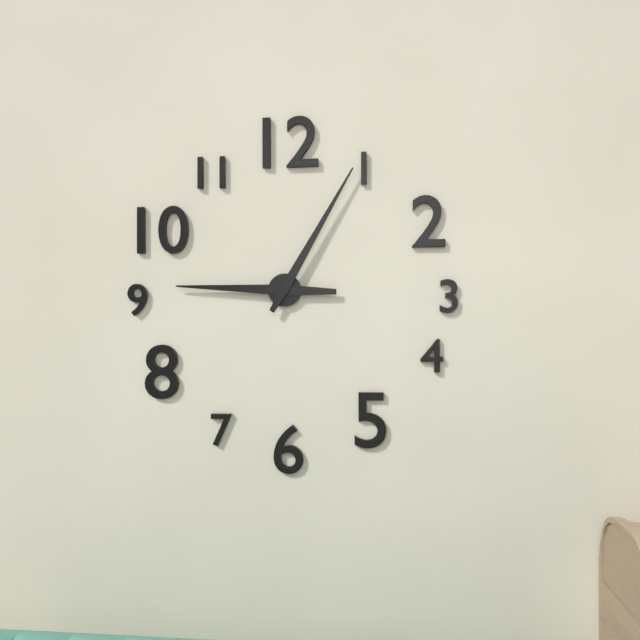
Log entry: h=9 m=5
